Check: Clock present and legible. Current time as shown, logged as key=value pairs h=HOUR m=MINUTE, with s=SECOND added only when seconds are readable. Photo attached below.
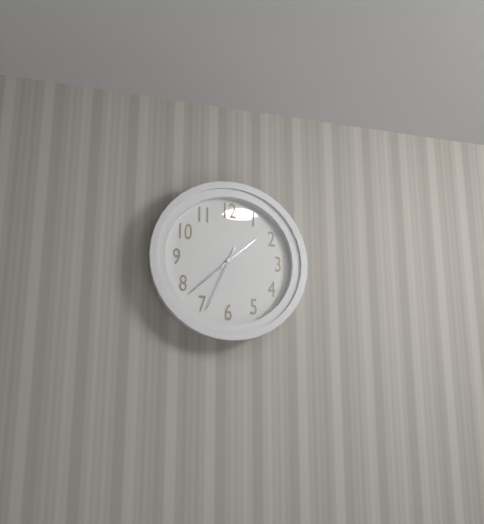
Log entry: h=1 m=38 s=34
